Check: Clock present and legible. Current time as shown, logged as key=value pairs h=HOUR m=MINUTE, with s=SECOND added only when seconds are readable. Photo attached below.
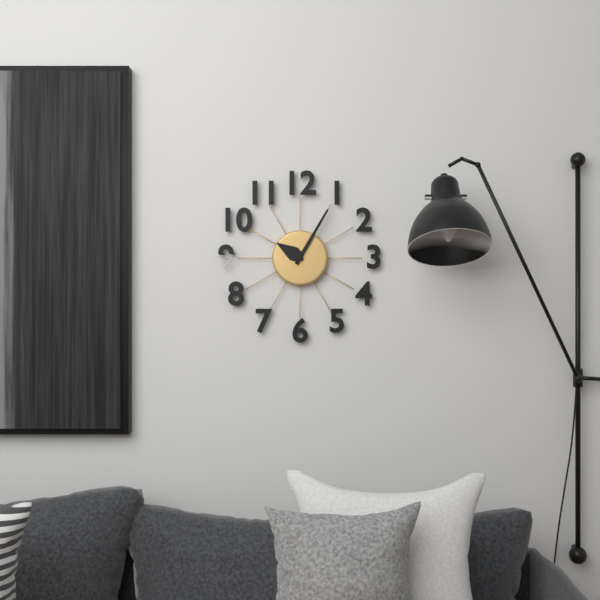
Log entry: h=10 m=5
